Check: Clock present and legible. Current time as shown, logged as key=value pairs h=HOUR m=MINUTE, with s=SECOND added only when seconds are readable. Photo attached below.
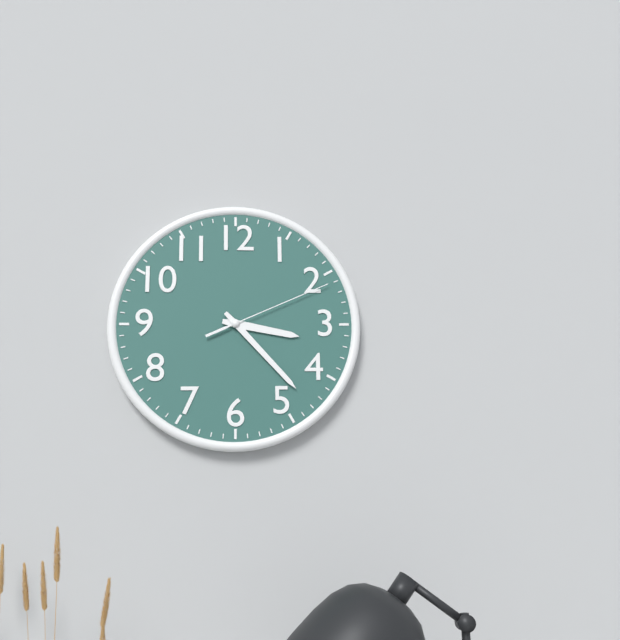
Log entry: h=3 m=23 s=11
